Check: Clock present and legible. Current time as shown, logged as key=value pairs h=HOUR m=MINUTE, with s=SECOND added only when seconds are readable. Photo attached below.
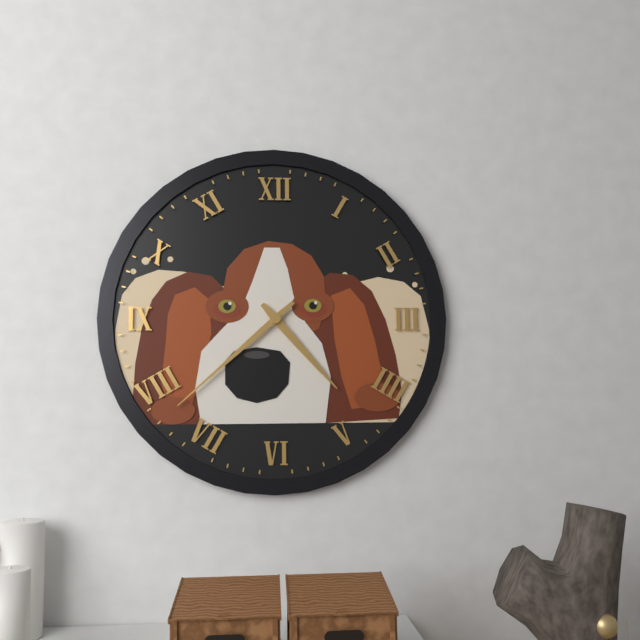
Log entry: h=4 m=38
